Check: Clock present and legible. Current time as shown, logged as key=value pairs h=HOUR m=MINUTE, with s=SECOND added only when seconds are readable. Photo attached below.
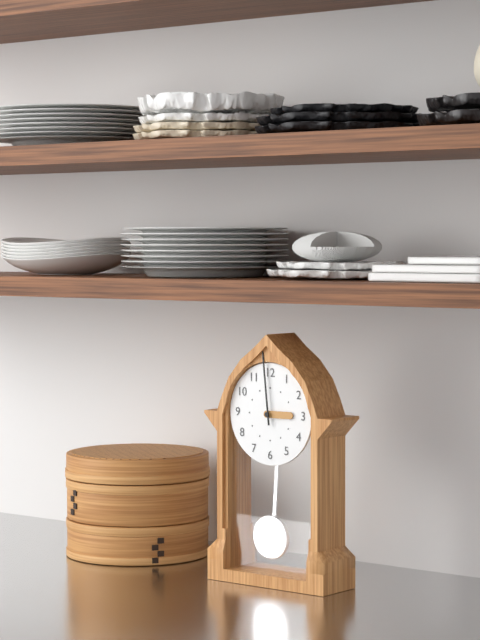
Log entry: h=2 m=59
